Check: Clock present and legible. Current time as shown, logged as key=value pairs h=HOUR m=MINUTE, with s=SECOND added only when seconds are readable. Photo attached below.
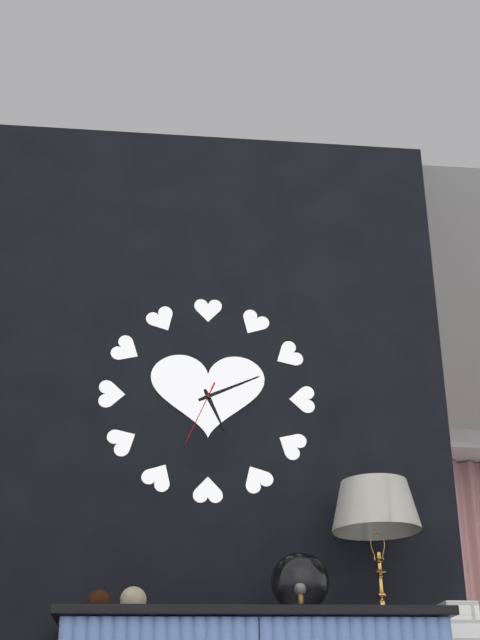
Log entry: h=5 m=11 s=34
